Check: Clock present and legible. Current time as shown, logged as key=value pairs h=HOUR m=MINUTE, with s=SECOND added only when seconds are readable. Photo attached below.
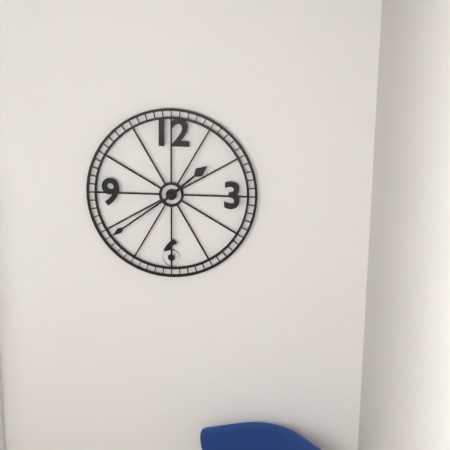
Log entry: h=1 m=39
